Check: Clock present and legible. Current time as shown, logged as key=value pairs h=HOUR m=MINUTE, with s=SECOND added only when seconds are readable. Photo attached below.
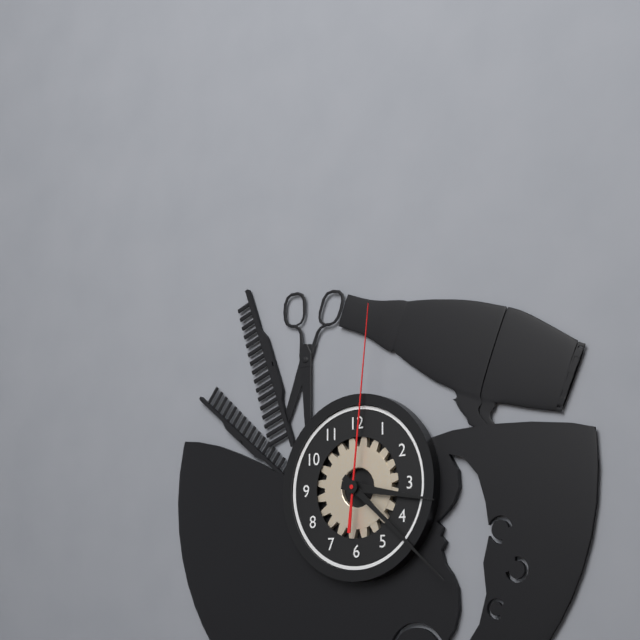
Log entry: h=3 m=22 s=1
